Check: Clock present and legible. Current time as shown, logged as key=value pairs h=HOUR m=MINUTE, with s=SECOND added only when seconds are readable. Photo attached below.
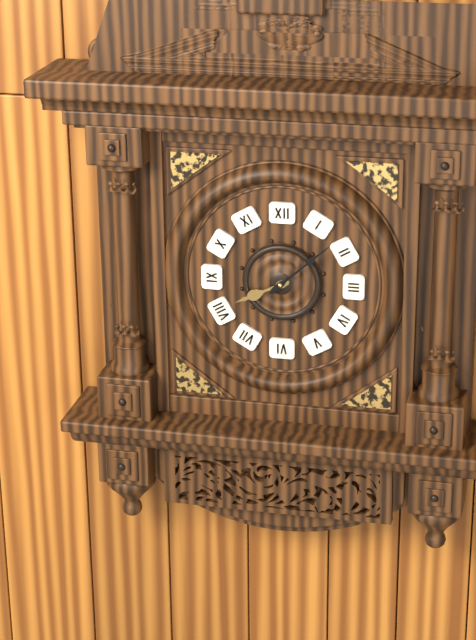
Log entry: h=8 m=8
